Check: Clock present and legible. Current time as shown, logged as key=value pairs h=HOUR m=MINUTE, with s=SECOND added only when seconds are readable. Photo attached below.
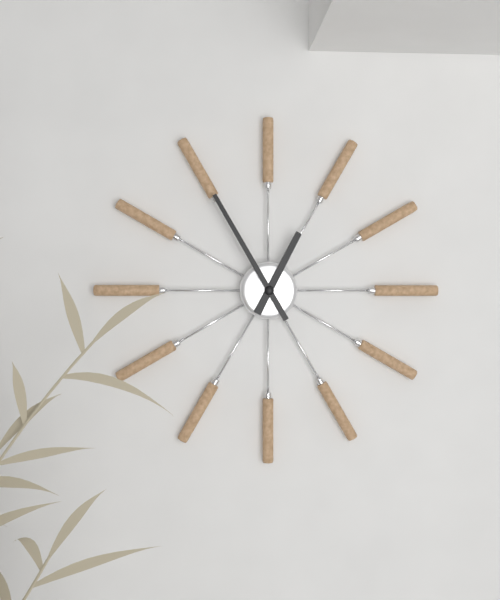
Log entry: h=12 m=55
